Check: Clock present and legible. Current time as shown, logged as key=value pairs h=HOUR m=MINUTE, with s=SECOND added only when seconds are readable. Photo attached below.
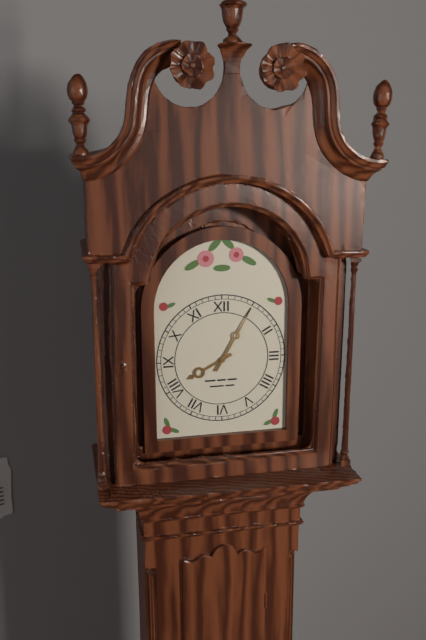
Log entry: h=8 m=5
